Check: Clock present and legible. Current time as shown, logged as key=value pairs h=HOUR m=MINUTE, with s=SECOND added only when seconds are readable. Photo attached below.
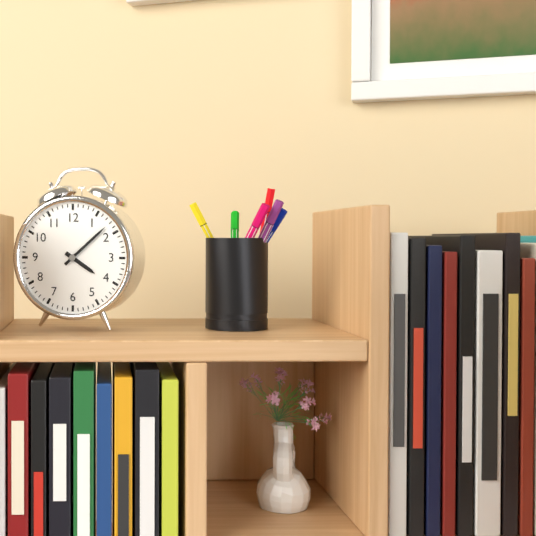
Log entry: h=4 m=8
